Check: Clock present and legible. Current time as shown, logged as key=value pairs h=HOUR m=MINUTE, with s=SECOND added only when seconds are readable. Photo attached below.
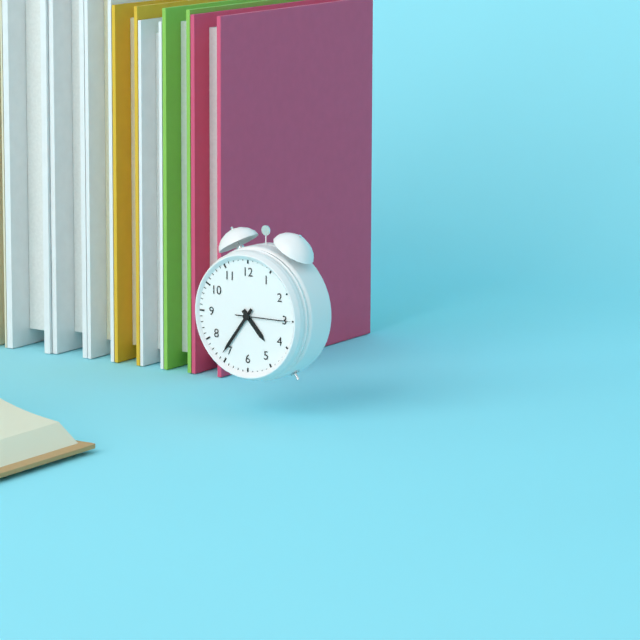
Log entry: h=4 m=36 s=15
